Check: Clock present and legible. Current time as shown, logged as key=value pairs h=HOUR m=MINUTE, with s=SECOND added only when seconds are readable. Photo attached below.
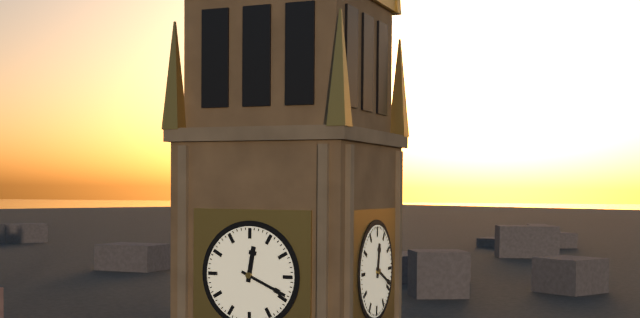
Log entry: h=12 m=19
